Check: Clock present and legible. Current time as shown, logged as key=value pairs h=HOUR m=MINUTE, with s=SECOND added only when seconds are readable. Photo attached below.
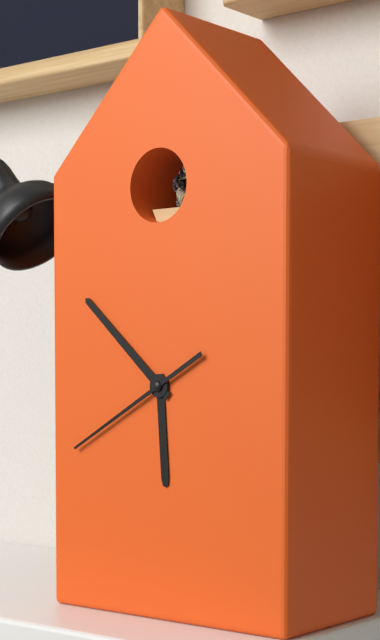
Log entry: h=5 m=52 s=40
